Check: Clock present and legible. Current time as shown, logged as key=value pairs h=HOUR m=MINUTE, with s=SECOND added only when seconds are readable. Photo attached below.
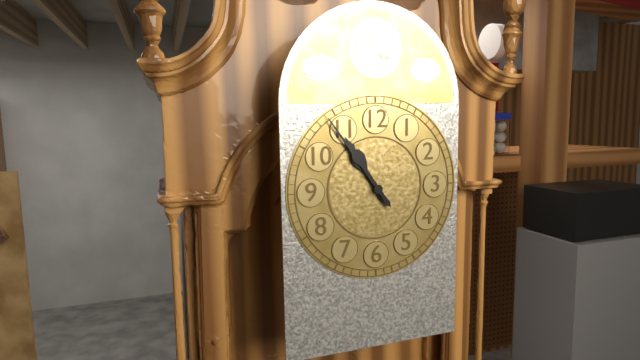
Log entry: h=10 m=54
